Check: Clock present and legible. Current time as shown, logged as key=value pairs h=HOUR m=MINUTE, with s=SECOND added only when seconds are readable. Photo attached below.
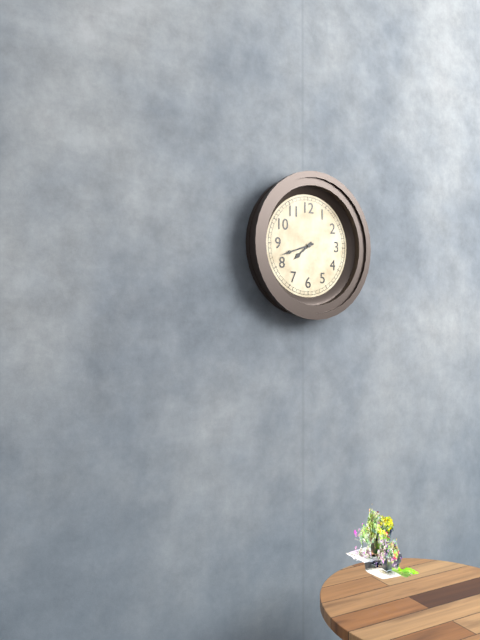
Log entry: h=7 m=42
